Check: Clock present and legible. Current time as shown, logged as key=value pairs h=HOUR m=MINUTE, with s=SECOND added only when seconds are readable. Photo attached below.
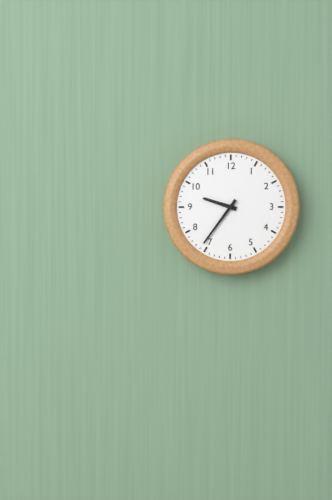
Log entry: h=9 m=36
